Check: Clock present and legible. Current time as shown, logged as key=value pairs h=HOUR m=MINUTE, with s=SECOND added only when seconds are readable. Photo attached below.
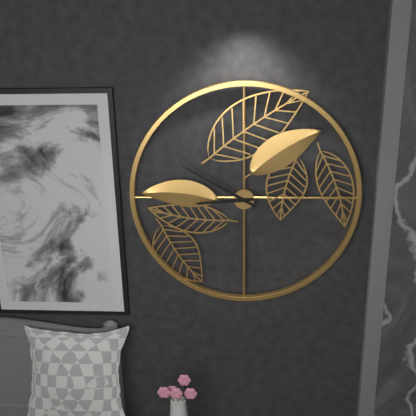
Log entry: h=8 m=50
